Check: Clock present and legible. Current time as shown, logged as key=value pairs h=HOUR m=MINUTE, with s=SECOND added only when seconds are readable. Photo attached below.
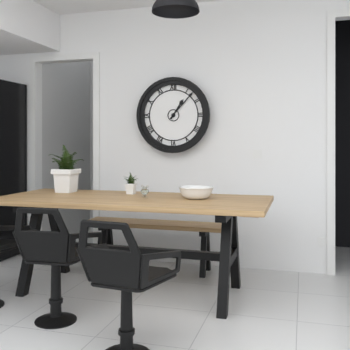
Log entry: h=1 m=7
